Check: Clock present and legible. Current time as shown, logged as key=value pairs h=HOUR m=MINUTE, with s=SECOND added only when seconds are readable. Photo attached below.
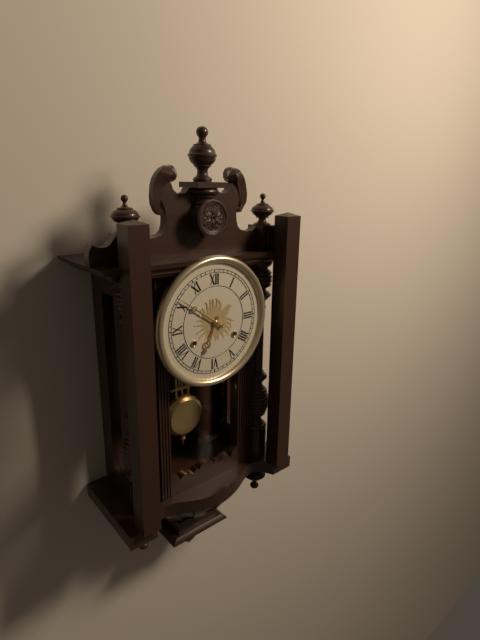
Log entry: h=6 m=51
